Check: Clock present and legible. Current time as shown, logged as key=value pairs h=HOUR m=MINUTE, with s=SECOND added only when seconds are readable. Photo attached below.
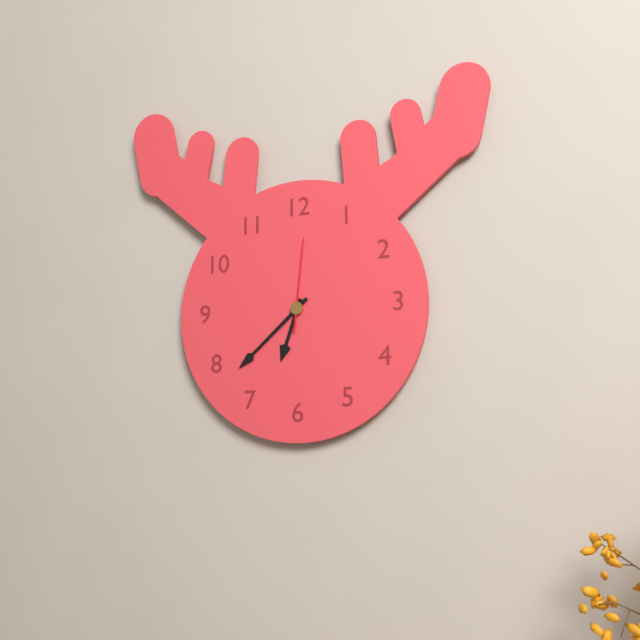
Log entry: h=6 m=38 s=1
